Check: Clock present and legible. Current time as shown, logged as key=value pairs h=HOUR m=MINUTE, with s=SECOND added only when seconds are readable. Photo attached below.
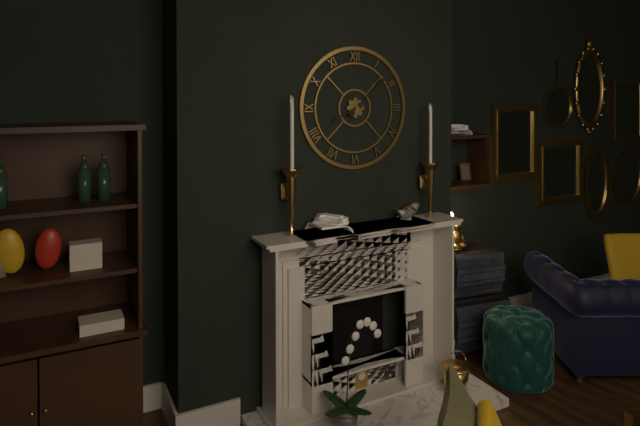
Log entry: h=8 m=8
